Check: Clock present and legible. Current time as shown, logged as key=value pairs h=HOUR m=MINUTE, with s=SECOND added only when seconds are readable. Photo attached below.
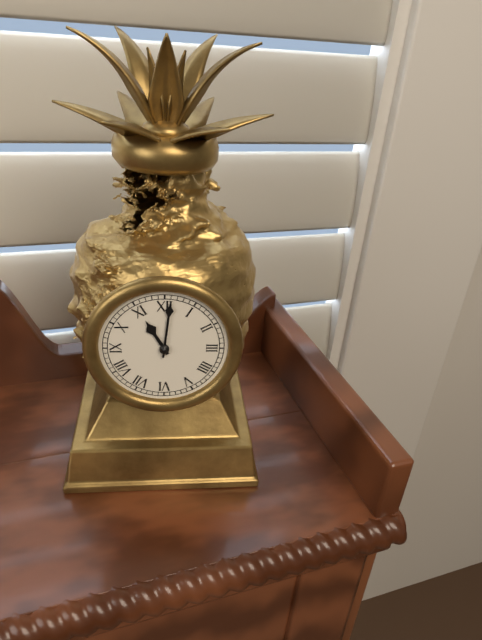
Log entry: h=11 m=1
